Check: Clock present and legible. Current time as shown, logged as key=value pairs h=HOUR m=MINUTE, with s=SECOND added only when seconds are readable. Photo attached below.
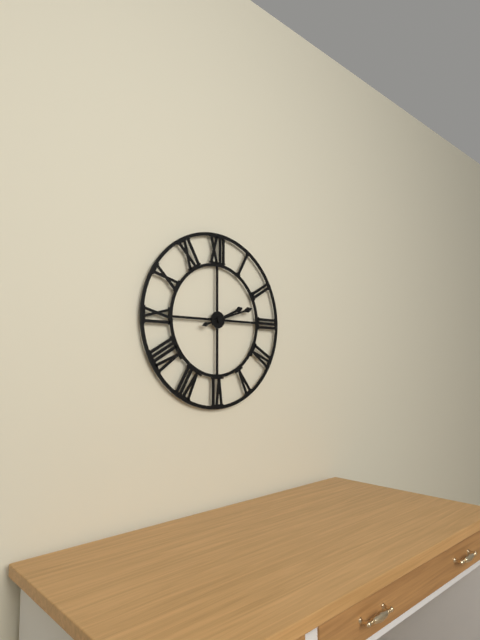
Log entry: h=2 m=12
